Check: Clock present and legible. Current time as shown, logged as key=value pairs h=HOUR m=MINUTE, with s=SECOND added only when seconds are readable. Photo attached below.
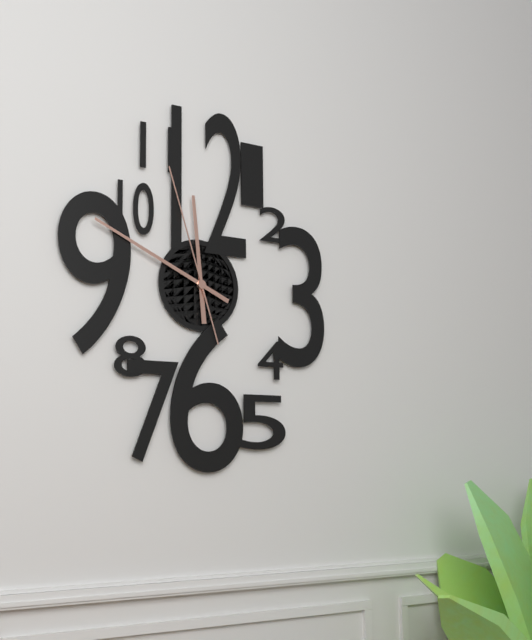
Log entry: h=11 m=49 s=57
